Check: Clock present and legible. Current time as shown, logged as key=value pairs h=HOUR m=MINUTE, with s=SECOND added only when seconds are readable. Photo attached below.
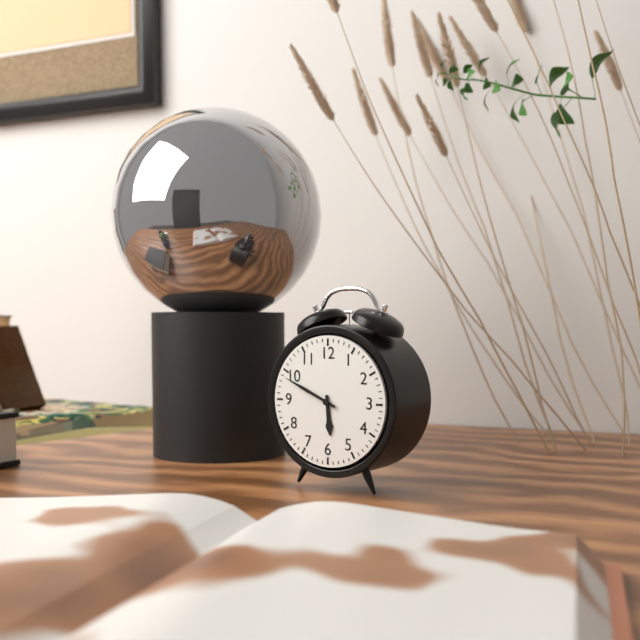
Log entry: h=5 m=49
